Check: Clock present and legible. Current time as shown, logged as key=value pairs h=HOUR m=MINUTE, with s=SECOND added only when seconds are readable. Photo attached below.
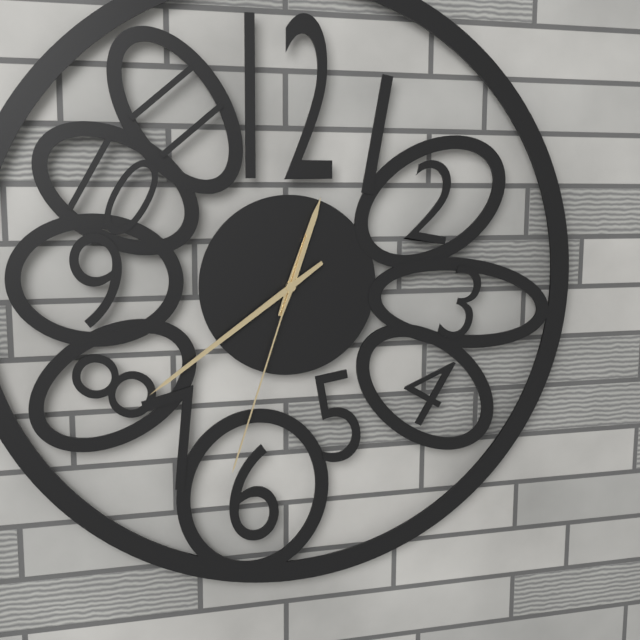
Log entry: h=12 m=39 s=33
